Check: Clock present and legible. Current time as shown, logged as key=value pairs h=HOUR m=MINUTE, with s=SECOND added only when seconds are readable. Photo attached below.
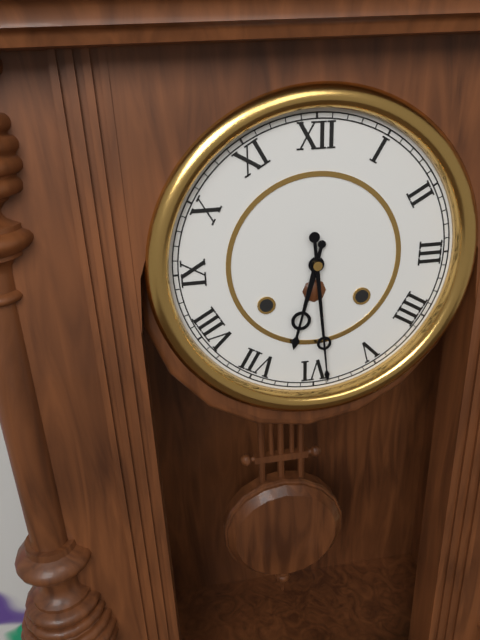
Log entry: h=6 m=29
